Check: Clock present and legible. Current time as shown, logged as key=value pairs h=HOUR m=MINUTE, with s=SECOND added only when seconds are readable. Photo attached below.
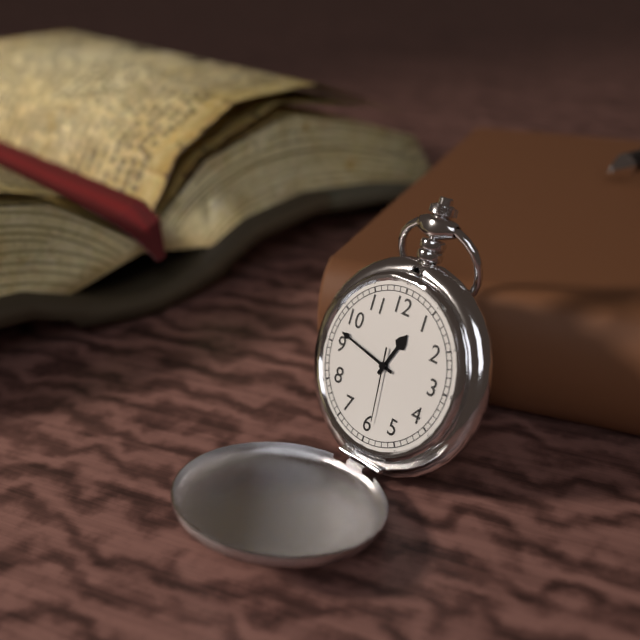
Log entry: h=12 m=47 s=29
